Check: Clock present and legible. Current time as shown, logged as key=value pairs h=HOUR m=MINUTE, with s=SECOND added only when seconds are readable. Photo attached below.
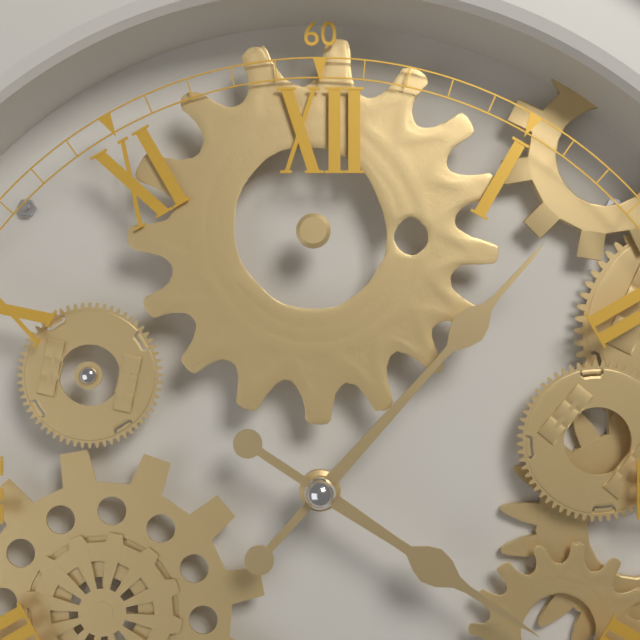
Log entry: h=4 m=7
